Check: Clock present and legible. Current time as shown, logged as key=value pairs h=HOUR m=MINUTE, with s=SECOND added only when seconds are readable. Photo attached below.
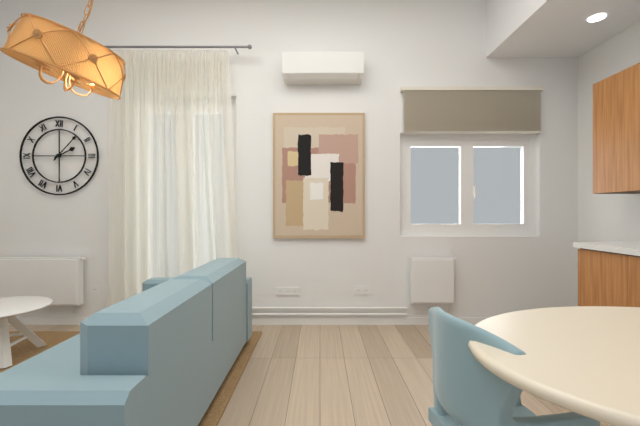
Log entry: h=2 m=7
